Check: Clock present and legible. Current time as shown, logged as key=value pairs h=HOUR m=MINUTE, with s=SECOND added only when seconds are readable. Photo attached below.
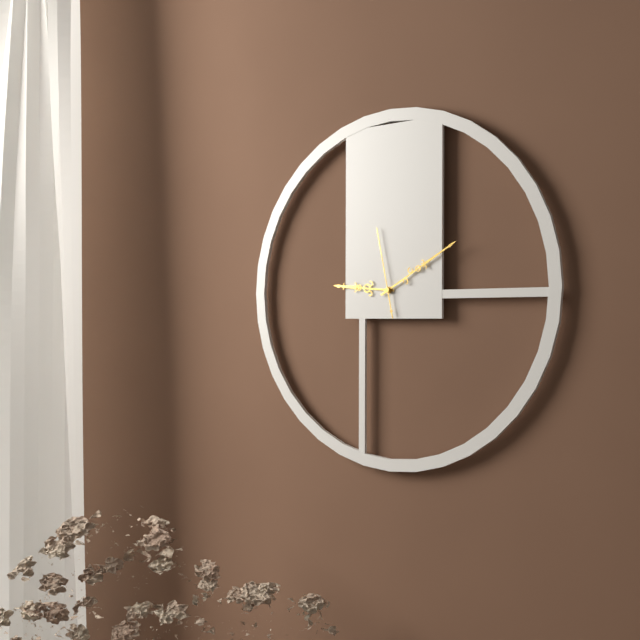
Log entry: h=9 m=10 s=58
